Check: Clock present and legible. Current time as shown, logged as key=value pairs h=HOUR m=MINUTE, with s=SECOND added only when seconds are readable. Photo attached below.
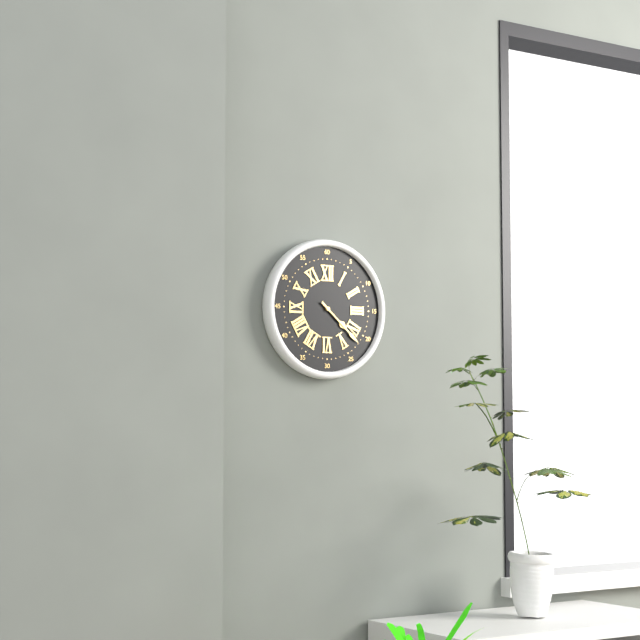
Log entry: h=4 m=22
